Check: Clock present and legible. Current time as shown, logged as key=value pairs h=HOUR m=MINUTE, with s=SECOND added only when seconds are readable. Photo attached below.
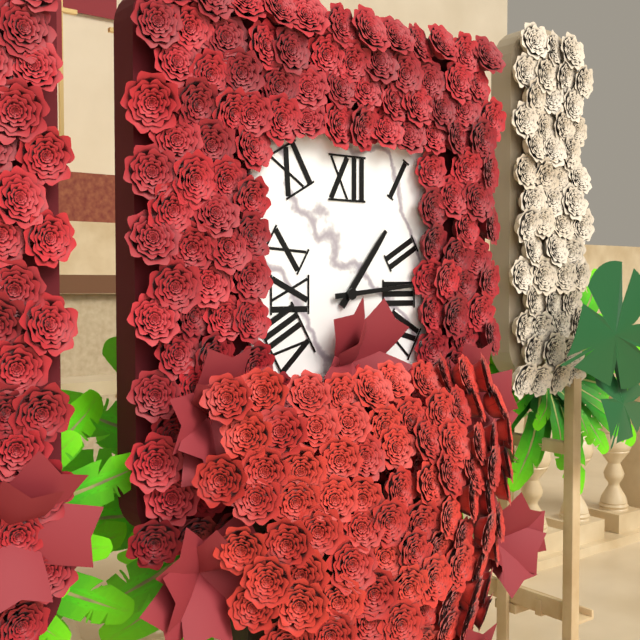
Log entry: h=1 m=14
